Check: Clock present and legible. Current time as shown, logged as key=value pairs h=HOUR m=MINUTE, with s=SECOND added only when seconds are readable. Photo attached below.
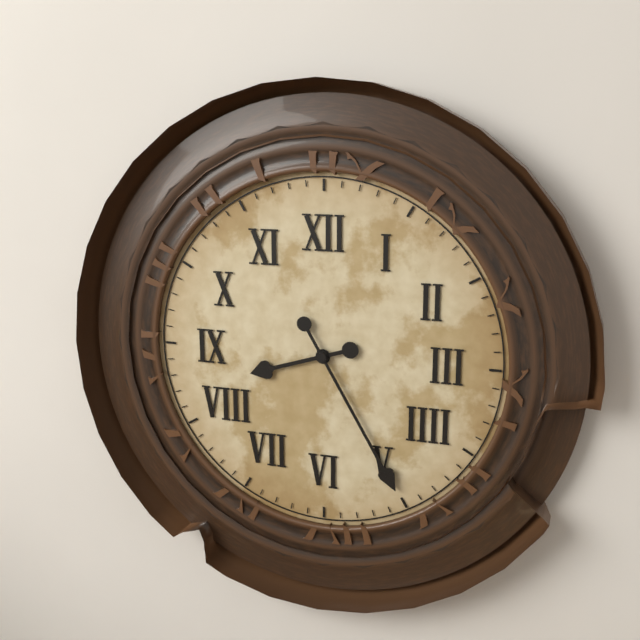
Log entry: h=8 m=25
